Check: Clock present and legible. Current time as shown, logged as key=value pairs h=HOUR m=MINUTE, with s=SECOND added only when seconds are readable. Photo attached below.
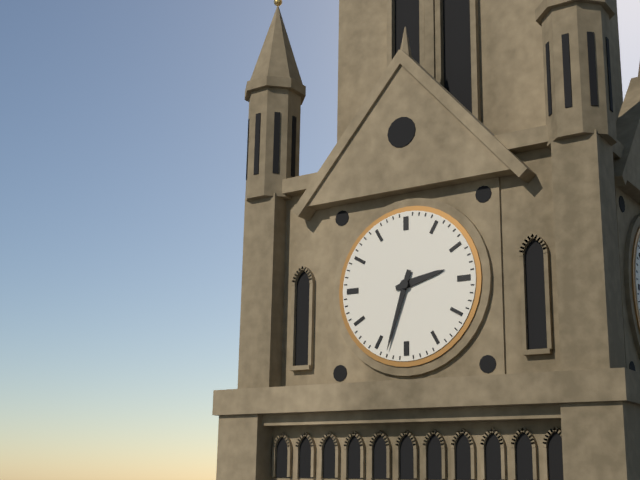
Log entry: h=2 m=33
